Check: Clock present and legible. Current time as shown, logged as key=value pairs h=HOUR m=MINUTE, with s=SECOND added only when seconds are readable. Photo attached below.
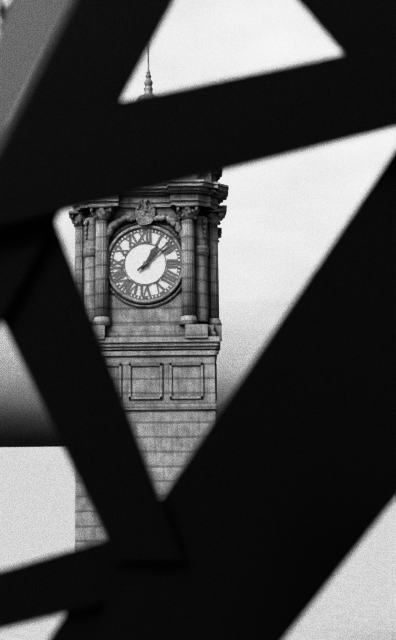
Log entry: h=1 m=8
